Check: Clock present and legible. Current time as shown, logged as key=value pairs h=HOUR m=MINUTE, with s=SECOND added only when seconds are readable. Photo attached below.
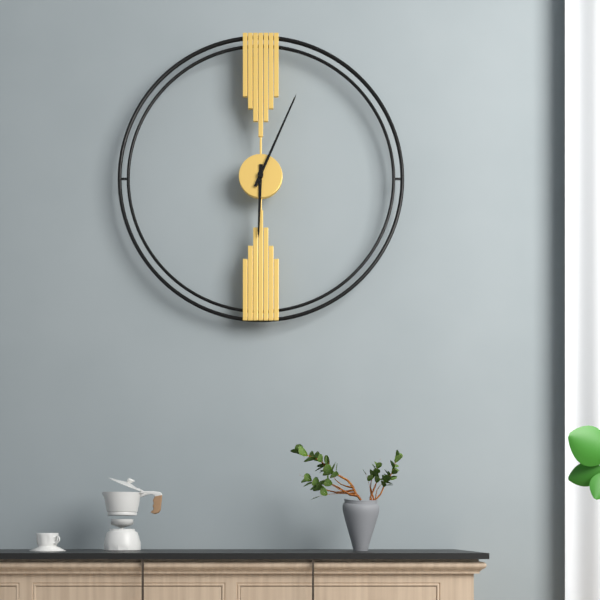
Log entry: h=6 m=4
